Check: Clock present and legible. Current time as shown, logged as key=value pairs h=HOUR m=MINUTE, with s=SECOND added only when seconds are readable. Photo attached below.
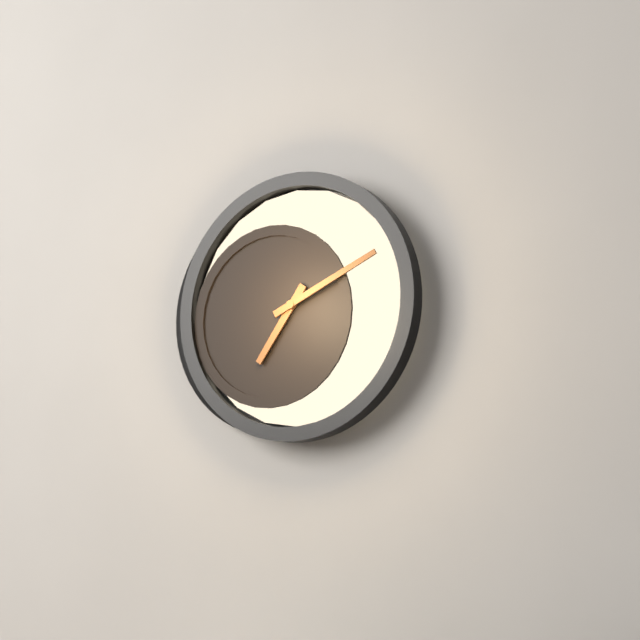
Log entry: h=7 m=11
